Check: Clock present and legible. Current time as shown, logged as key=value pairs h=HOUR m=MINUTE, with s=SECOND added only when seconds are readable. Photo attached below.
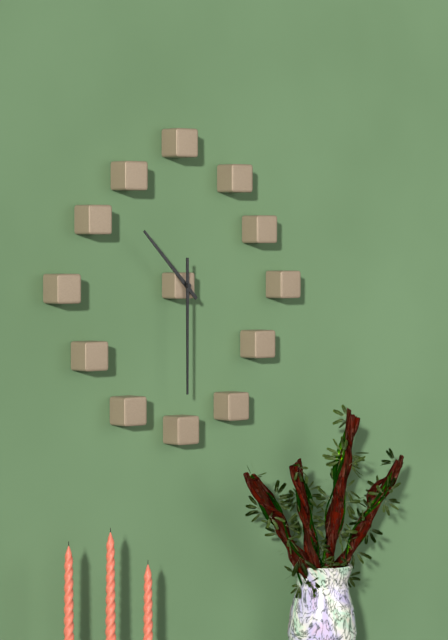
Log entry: h=10 m=30
